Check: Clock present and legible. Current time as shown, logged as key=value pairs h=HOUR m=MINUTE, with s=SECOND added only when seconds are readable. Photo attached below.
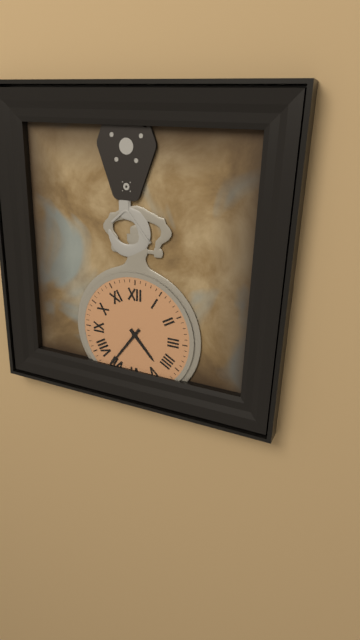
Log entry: h=4 m=36
